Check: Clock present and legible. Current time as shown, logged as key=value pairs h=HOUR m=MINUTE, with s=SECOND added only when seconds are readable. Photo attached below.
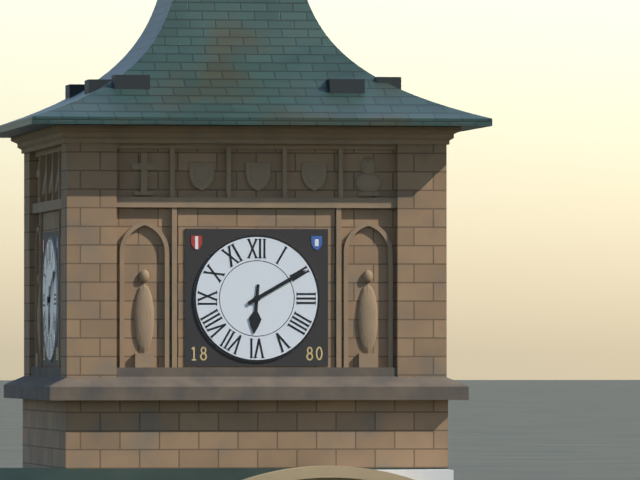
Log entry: h=6 m=10
